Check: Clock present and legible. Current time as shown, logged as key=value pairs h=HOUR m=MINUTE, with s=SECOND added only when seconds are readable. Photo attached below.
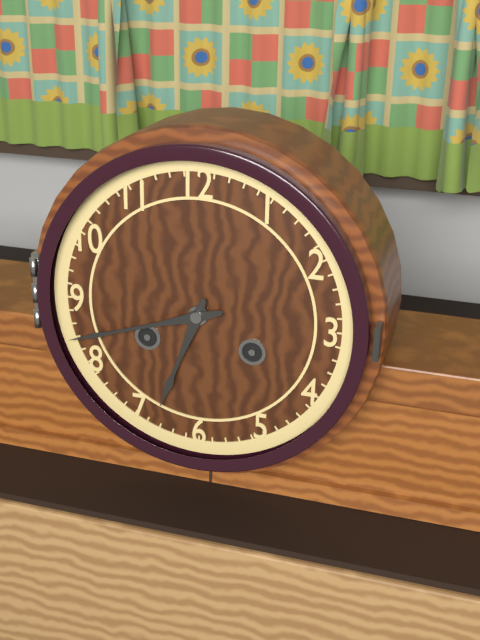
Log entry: h=6 m=42
